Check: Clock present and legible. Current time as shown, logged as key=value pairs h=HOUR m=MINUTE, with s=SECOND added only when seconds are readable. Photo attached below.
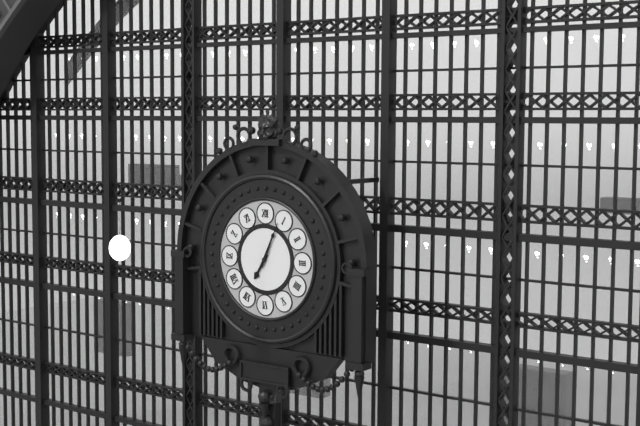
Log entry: h=7 m=4
